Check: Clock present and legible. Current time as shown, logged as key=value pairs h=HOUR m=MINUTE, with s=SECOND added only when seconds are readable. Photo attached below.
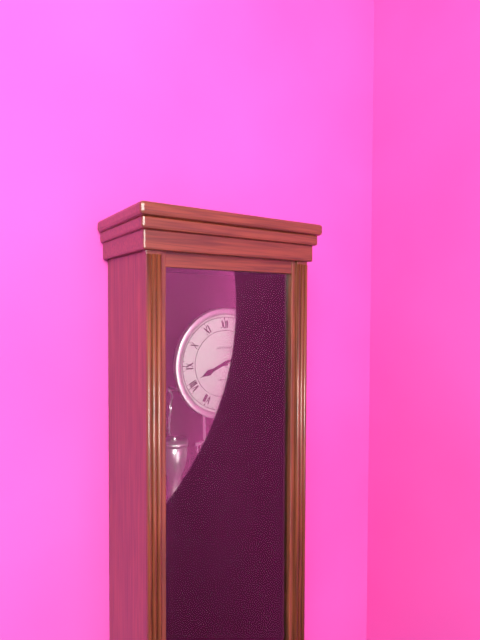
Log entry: h=8 m=12
